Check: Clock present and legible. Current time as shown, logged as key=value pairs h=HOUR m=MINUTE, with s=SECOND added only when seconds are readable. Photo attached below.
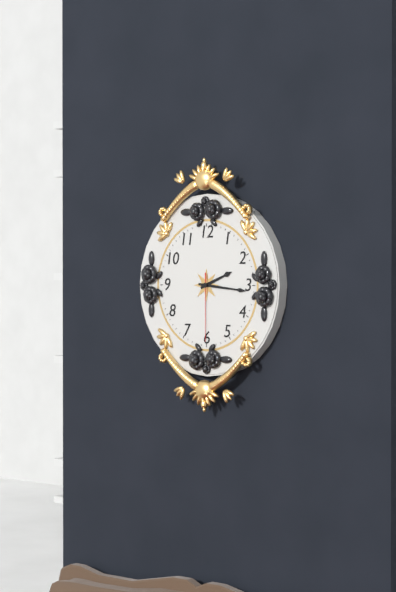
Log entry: h=2 m=16 s=30
